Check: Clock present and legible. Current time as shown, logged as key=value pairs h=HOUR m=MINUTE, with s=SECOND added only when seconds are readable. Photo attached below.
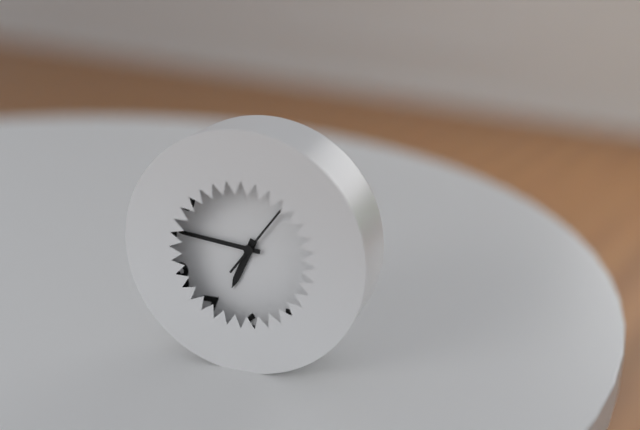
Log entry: h=6 m=46 s=6
